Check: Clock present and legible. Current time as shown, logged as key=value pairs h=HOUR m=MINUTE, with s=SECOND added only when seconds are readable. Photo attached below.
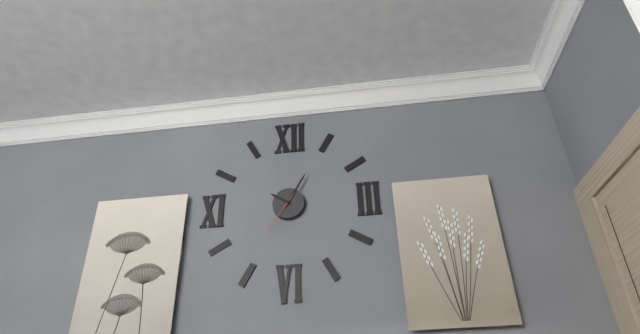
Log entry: h=10 m=5
